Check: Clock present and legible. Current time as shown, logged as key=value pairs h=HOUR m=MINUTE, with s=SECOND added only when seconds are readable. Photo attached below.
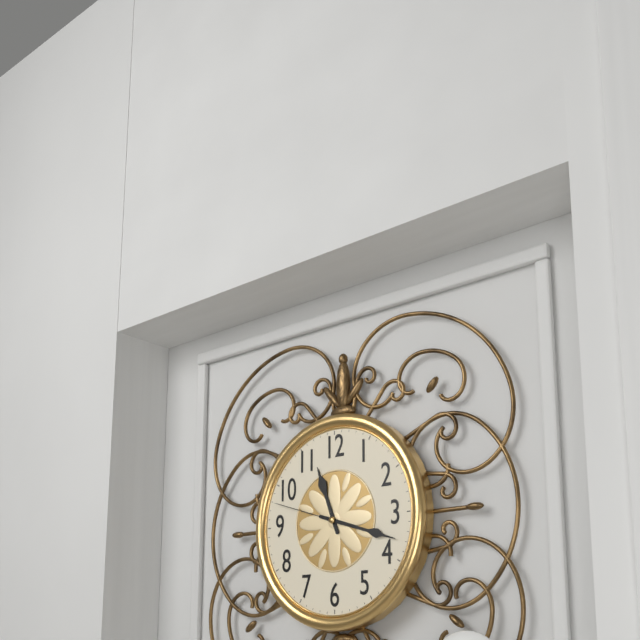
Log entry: h=11 m=18 s=48
